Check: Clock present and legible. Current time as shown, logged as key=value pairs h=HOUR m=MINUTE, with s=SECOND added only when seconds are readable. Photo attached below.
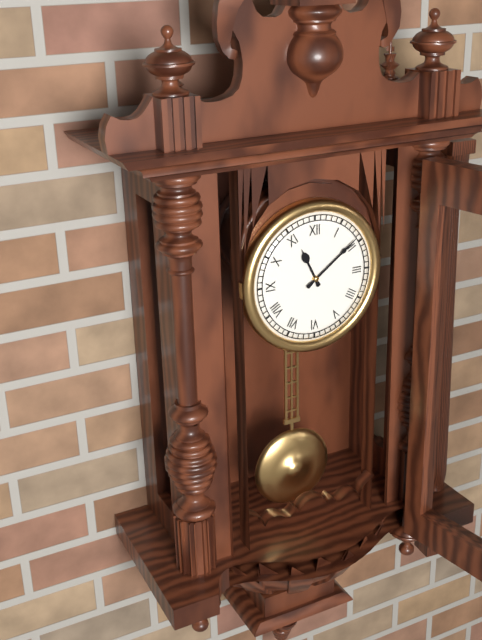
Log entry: h=11 m=9
